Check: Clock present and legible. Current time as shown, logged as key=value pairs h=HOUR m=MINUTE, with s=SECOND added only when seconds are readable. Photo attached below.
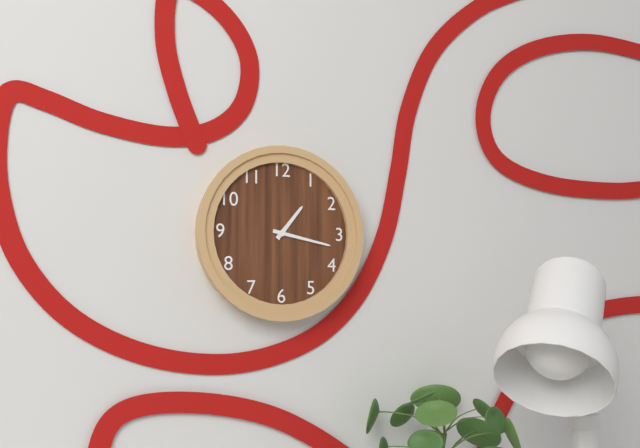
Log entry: h=1 m=17
